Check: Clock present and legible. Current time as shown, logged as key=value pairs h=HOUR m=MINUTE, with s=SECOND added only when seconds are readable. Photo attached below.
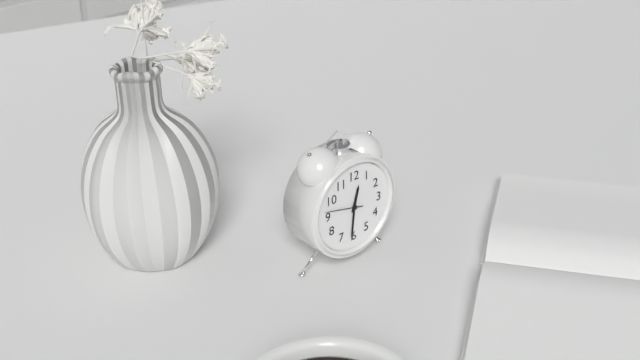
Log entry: h=12 m=31
